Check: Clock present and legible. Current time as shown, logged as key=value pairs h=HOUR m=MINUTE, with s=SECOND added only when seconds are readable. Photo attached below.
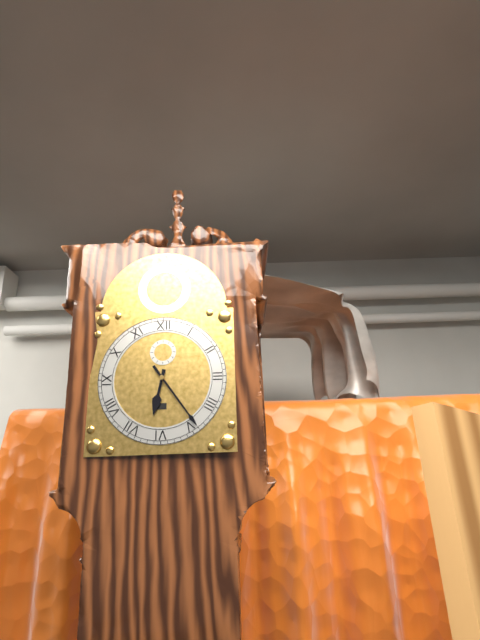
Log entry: h=6 m=24
